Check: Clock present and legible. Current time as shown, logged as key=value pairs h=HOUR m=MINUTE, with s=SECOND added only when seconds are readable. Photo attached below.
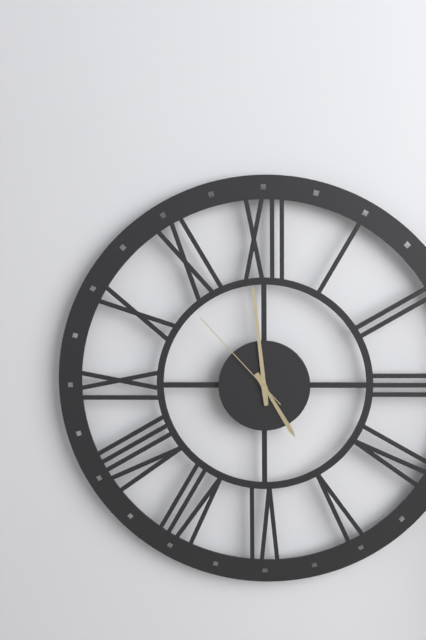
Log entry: h=4 m=59 s=53
